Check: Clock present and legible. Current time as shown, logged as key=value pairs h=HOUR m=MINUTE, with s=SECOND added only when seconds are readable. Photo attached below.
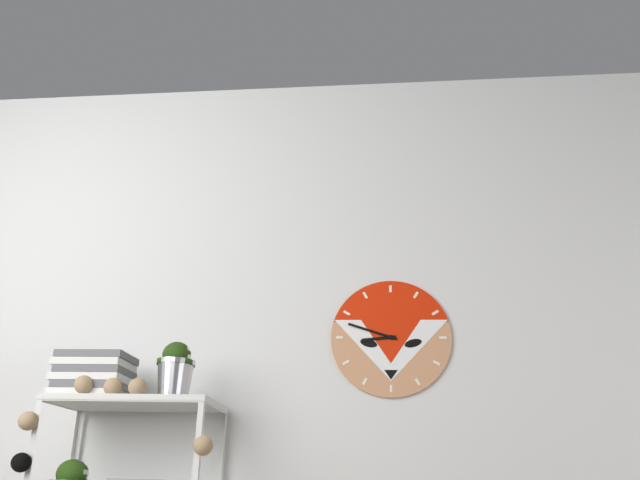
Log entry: h=8 m=48
